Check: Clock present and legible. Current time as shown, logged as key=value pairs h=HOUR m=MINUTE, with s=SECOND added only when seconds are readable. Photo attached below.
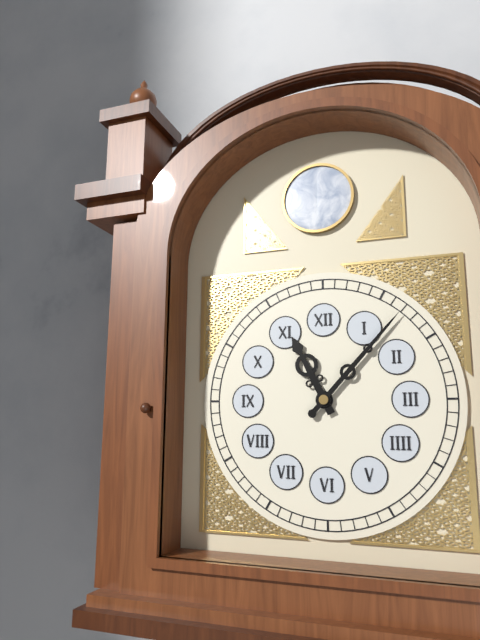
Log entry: h=11 m=7
